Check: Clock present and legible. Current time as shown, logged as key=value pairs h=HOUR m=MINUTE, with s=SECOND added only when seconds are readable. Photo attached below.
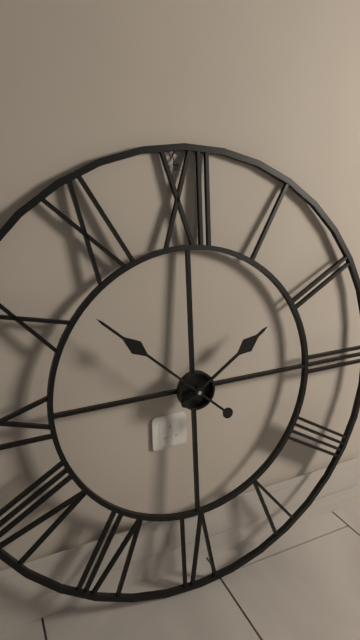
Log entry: h=1 m=52
